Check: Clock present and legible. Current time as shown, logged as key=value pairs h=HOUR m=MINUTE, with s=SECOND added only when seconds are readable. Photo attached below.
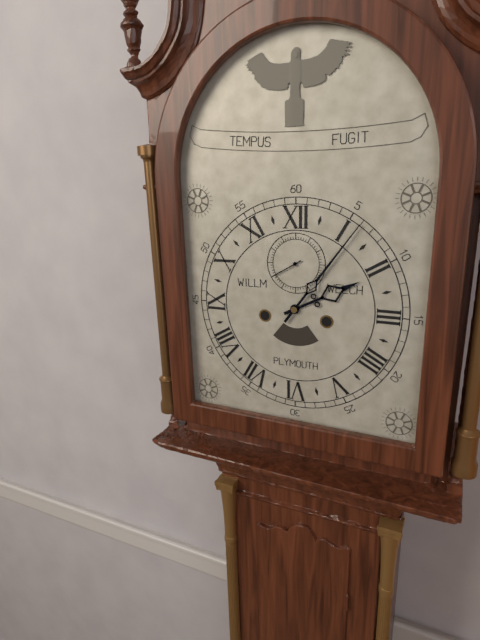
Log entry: h=2 m=6
